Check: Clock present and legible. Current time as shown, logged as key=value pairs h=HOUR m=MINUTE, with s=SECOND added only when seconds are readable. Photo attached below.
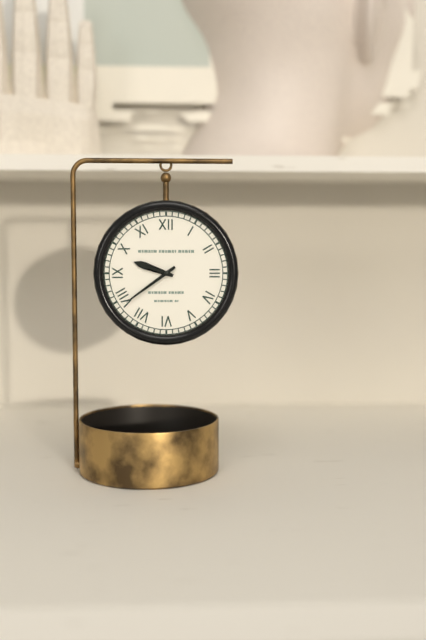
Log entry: h=9 m=39
